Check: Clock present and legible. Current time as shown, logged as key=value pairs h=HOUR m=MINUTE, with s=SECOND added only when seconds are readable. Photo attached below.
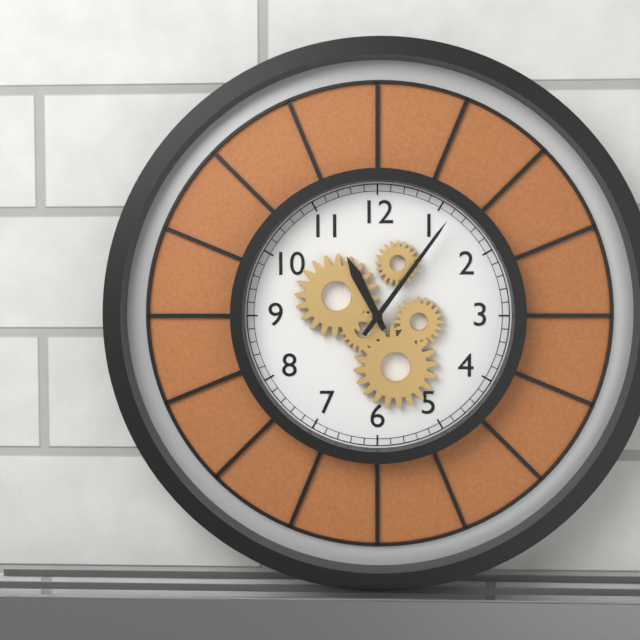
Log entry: h=11 m=6
